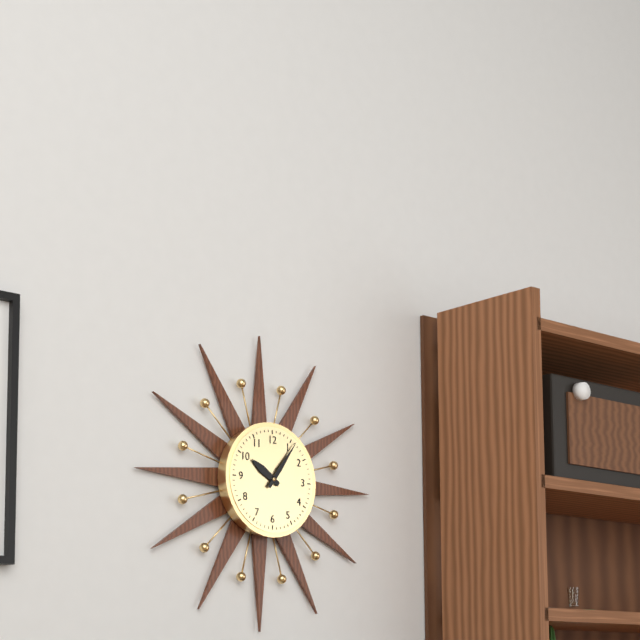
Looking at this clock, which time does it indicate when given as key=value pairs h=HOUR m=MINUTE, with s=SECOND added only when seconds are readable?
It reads h=10 m=6
